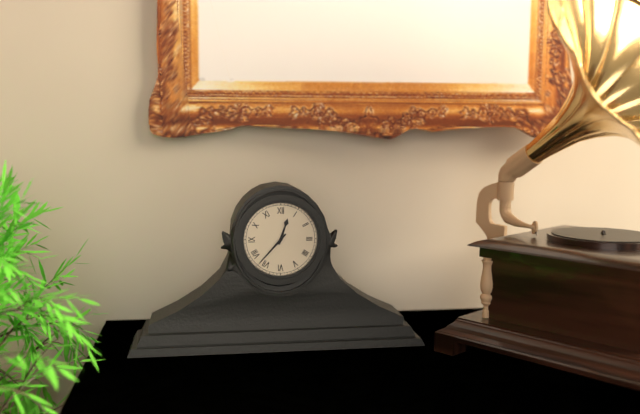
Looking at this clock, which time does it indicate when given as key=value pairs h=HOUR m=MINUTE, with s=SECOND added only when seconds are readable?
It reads h=12 m=37
